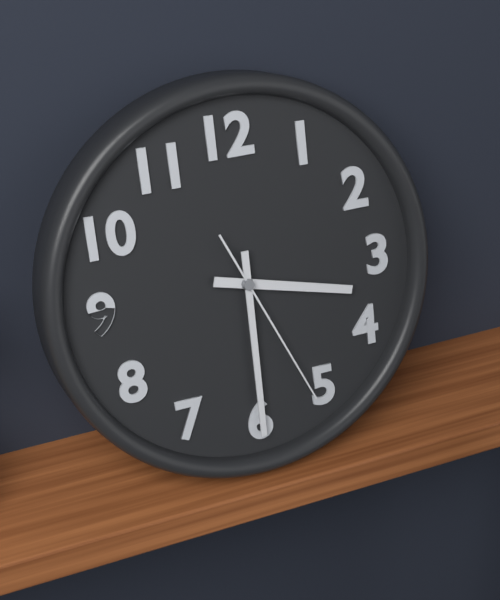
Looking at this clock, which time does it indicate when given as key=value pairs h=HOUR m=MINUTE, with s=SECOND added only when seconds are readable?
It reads h=3 m=30 s=26
